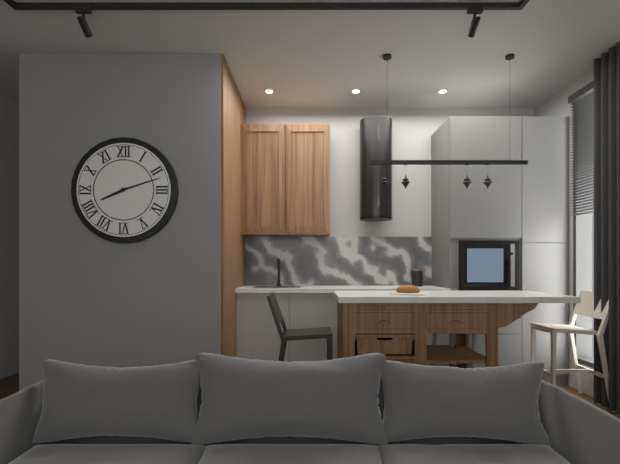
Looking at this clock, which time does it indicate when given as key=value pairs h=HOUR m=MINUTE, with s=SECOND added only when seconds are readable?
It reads h=8 m=12
